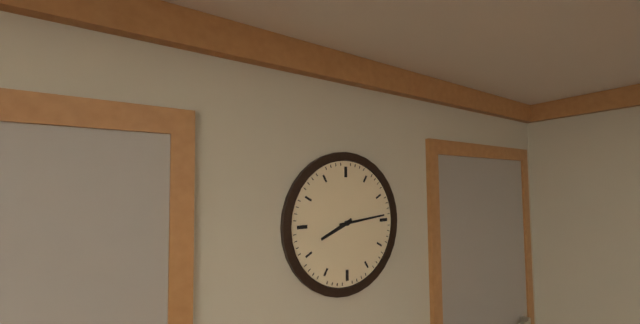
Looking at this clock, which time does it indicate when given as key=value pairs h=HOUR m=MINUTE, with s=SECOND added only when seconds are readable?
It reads h=8 m=14
